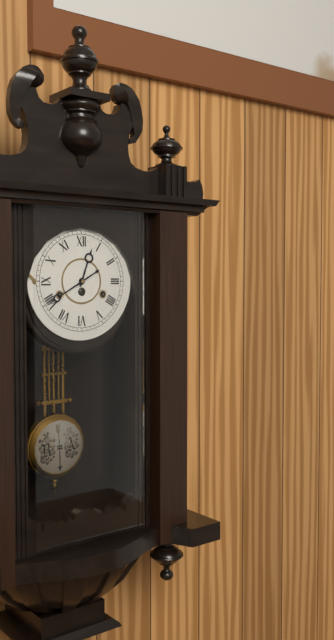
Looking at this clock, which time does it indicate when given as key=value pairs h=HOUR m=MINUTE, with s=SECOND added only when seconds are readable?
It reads h=12 m=40
